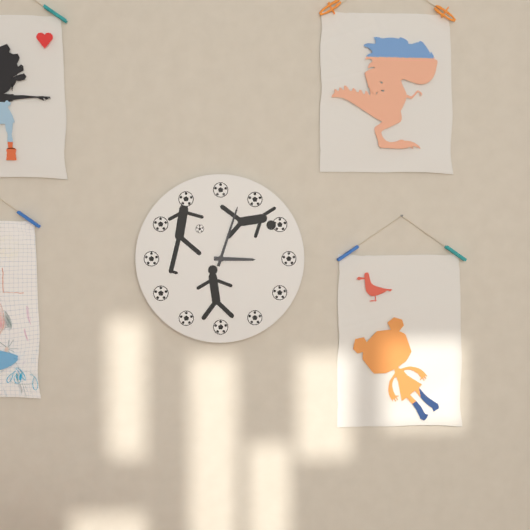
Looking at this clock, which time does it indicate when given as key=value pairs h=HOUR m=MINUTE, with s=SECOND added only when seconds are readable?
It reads h=3 m=3
